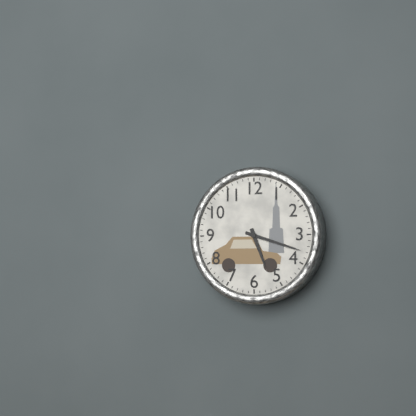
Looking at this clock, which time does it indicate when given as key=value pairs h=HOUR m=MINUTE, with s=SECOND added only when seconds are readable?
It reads h=5 m=18
